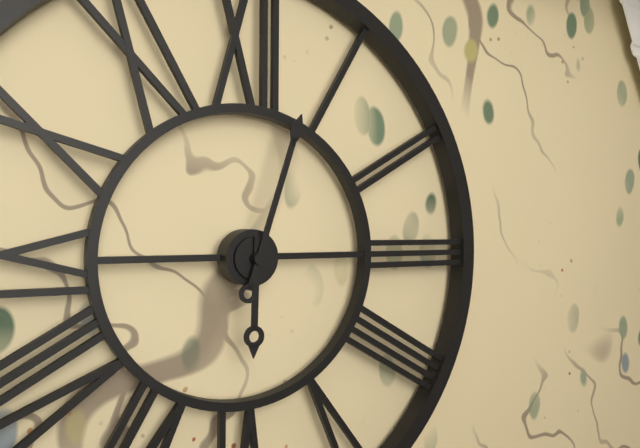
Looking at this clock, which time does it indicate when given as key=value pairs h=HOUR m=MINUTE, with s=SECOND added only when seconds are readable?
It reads h=6 m=3
